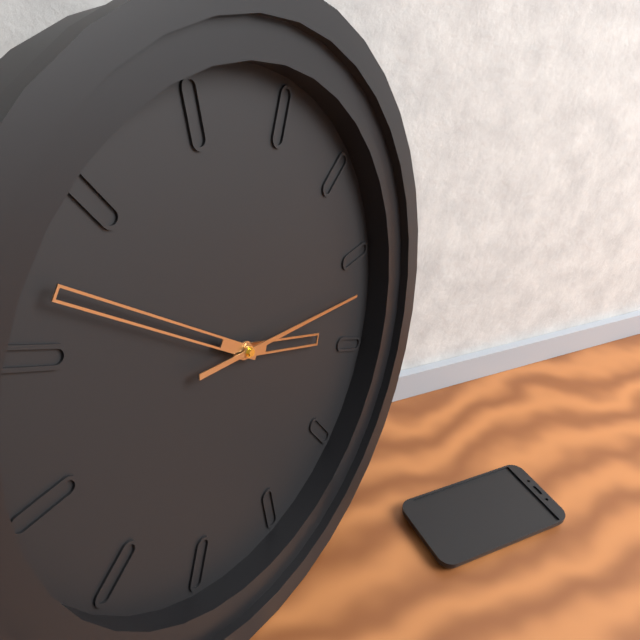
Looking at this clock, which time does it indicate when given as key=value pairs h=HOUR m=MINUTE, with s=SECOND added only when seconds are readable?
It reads h=3 m=52 s=17
